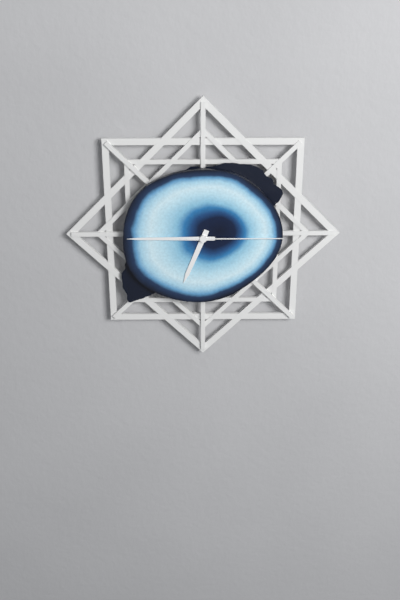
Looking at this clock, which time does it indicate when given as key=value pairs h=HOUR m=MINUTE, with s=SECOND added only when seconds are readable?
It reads h=6 m=45 s=15
